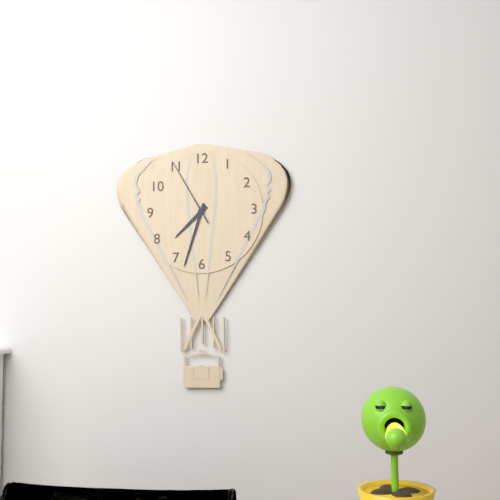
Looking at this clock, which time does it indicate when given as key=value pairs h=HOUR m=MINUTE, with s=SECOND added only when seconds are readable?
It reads h=7 m=33 s=55
